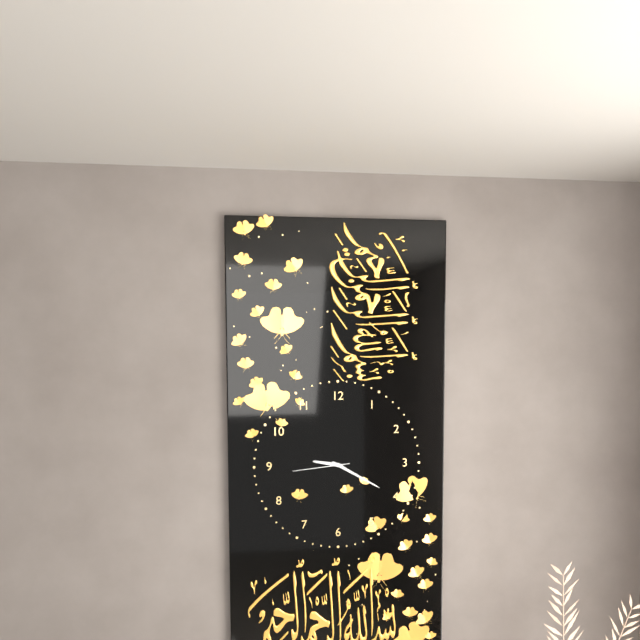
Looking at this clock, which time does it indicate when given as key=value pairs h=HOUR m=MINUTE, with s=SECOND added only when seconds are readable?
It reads h=9 m=20 s=44
